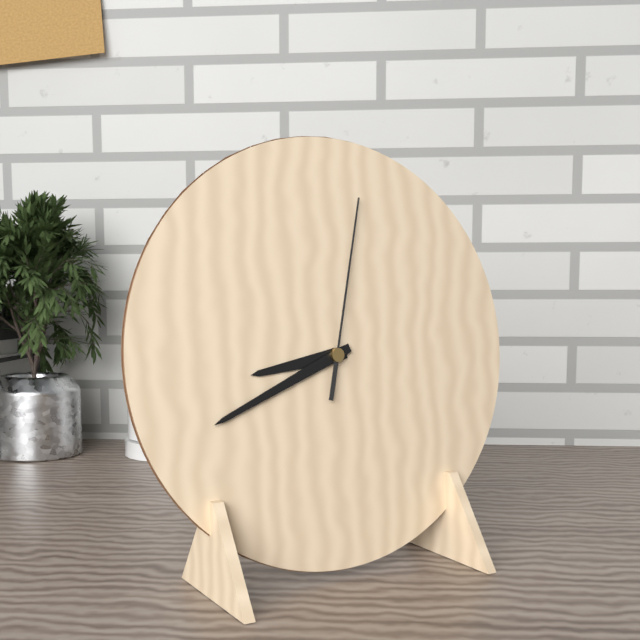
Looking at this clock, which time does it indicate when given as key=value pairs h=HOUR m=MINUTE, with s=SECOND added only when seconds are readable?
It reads h=8 m=41 s=2
